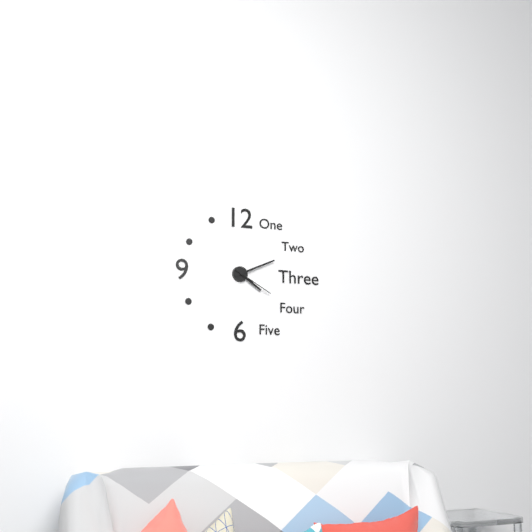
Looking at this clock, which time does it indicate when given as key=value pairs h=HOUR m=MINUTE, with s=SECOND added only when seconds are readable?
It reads h=4 m=11
